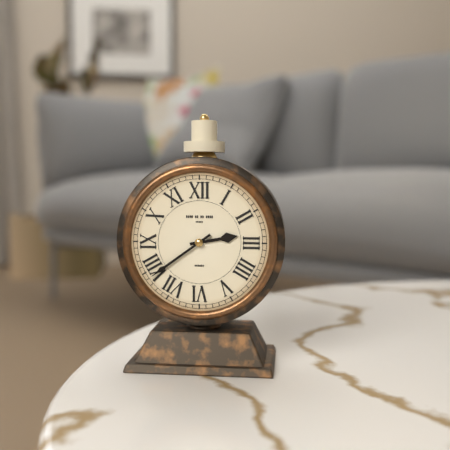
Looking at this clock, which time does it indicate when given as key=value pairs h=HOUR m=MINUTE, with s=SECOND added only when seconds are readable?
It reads h=2 m=39
